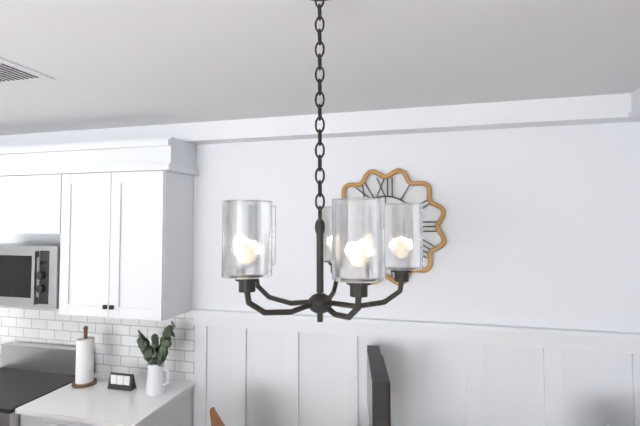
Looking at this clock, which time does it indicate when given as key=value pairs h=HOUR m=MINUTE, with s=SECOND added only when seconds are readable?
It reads h=6 m=45
